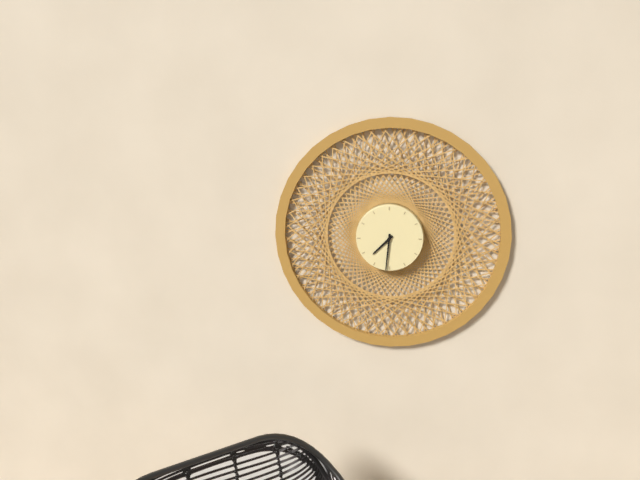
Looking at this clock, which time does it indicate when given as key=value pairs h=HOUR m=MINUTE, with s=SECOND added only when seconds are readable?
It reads h=7 m=31
